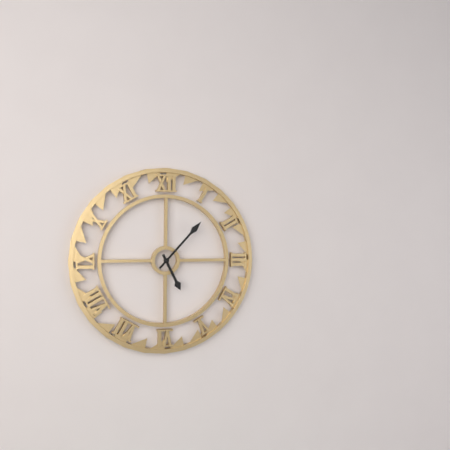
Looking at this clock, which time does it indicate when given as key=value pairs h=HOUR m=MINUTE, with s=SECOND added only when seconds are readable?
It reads h=5 m=7
